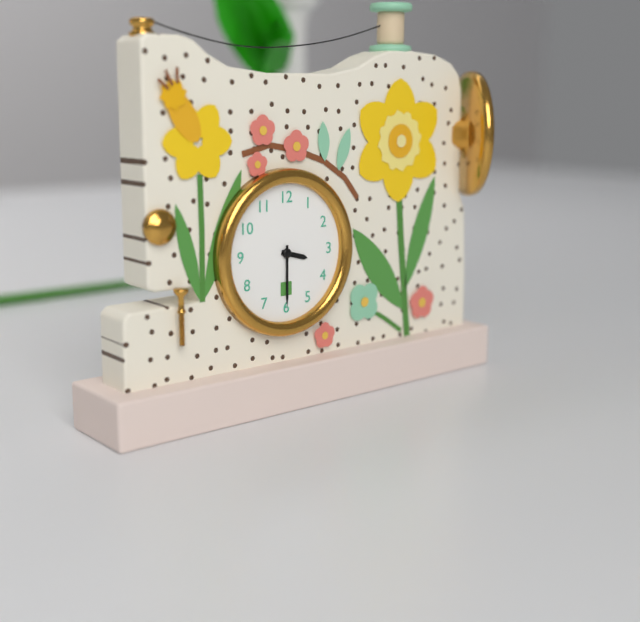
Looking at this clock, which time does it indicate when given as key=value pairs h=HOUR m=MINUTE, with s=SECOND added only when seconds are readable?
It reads h=3 m=30
